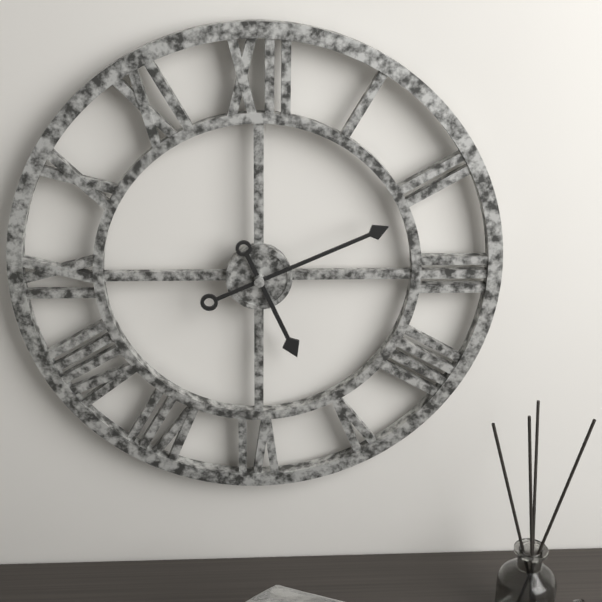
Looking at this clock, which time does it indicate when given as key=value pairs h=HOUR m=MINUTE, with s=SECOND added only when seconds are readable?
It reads h=5 m=11
